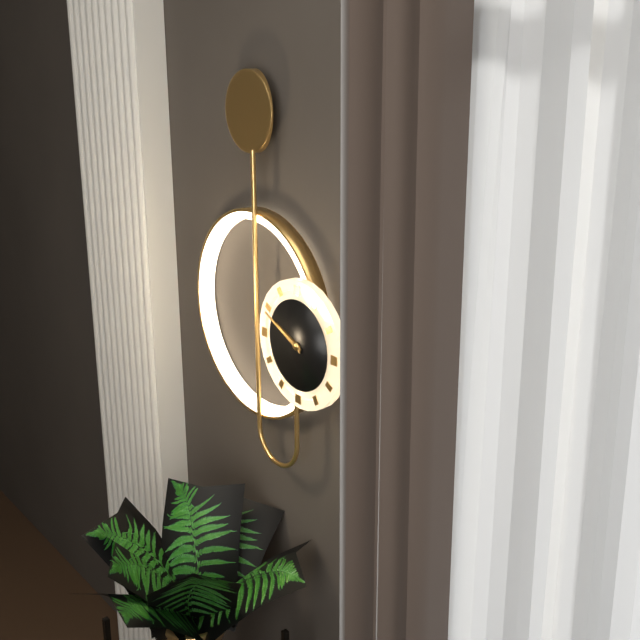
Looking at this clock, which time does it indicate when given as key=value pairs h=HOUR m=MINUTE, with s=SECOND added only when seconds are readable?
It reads h=9 m=49
